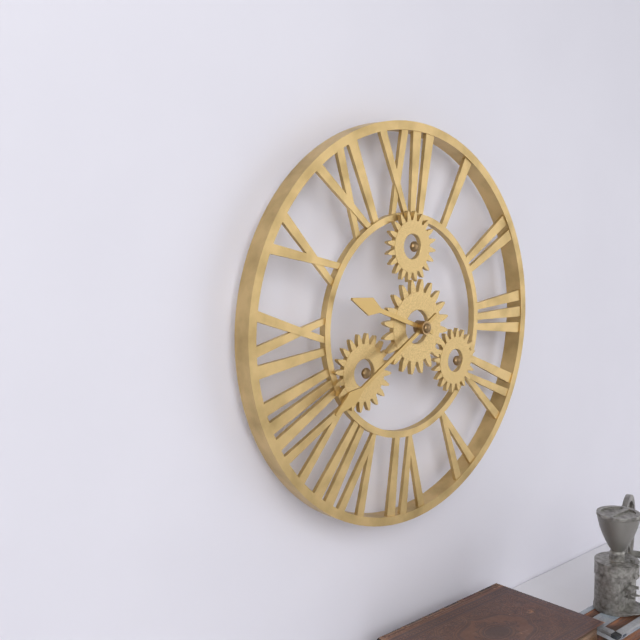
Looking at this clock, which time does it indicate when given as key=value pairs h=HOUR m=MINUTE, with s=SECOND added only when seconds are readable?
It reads h=9 m=40
